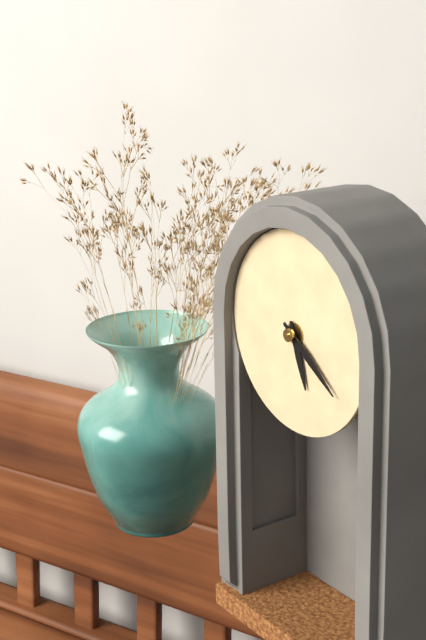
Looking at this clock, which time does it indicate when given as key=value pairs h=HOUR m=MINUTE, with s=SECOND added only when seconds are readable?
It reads h=5 m=21
